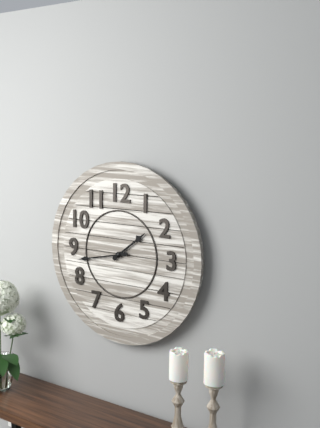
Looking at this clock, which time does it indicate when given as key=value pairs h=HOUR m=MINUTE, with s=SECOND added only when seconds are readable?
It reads h=1 m=43
